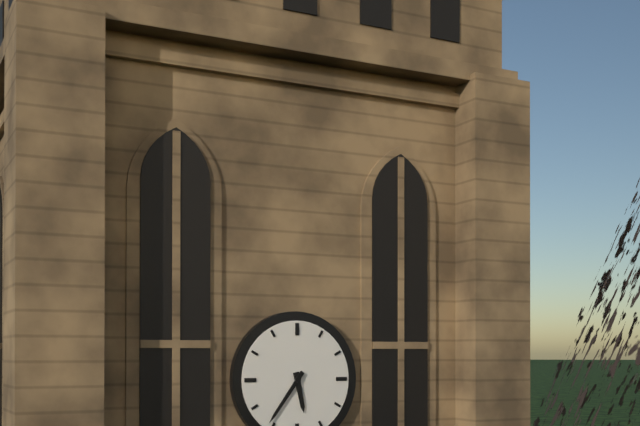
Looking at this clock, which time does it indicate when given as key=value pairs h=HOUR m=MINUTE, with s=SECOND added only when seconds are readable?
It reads h=5 m=36
